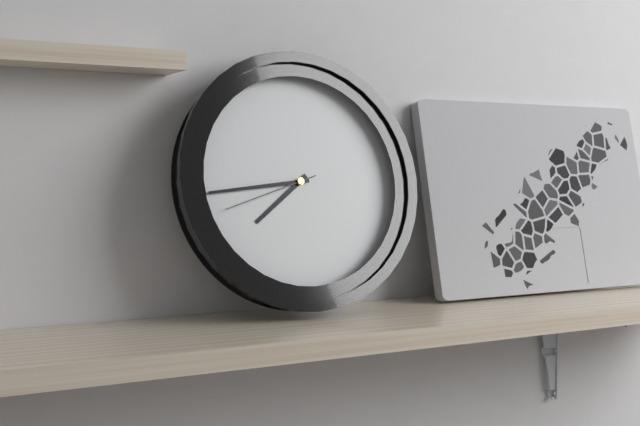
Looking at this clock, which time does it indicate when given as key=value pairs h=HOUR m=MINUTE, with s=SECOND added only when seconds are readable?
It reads h=7 m=44 s=42
